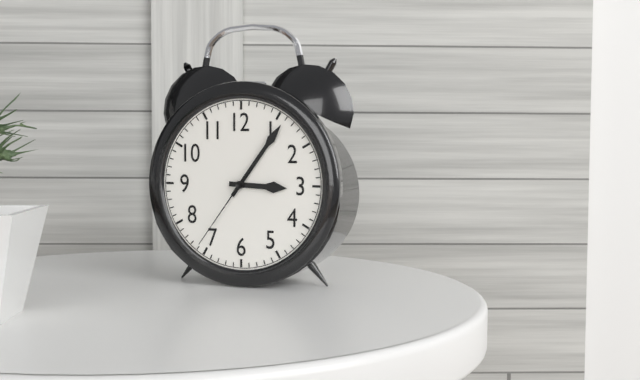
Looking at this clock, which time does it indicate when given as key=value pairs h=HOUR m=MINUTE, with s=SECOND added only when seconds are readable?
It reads h=3 m=6 s=36
